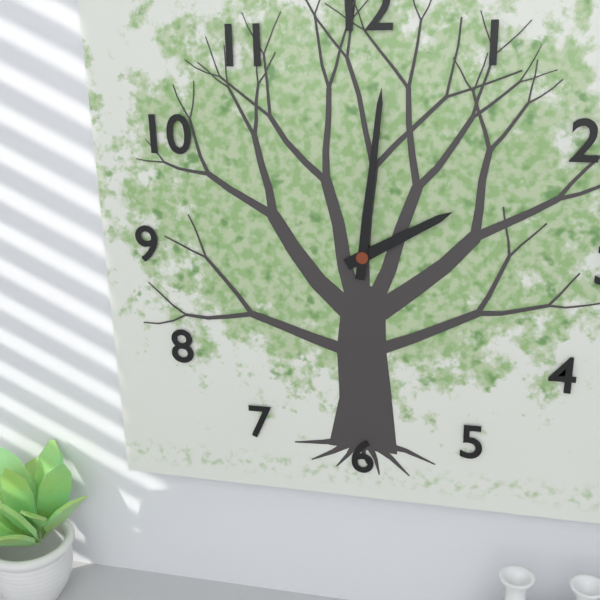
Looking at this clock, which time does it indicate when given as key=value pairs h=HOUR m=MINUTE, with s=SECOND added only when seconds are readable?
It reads h=2 m=1
